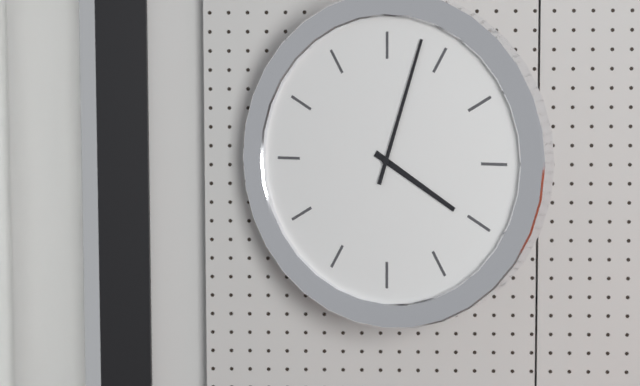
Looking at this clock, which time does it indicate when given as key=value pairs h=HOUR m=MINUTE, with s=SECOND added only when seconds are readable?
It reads h=4 m=3
